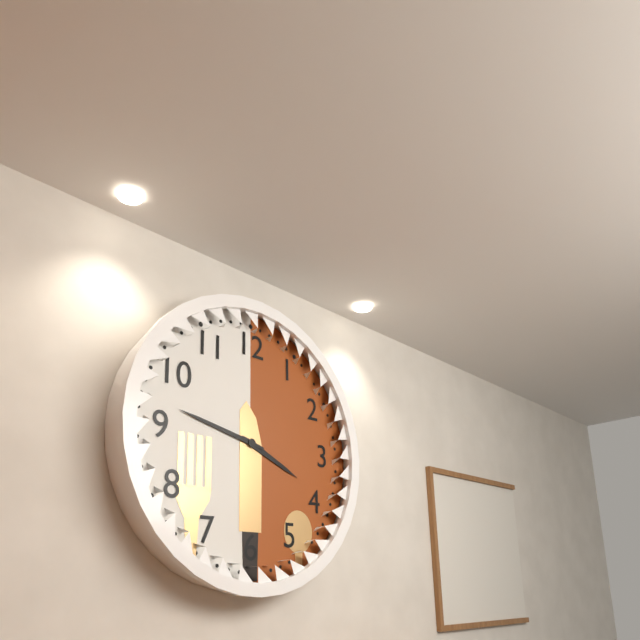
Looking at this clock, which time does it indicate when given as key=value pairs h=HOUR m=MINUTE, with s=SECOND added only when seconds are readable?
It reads h=3 m=47
